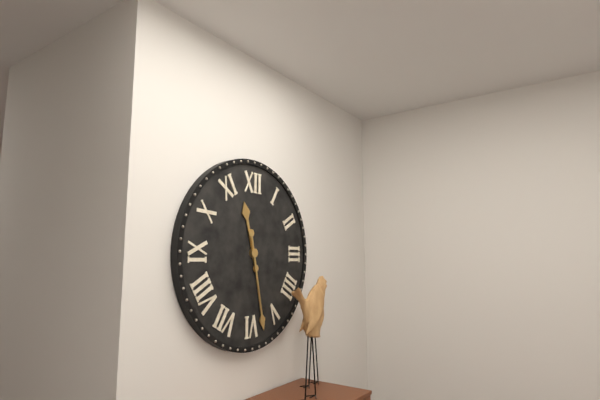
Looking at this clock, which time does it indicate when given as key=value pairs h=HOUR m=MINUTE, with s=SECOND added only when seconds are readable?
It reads h=11 m=28
